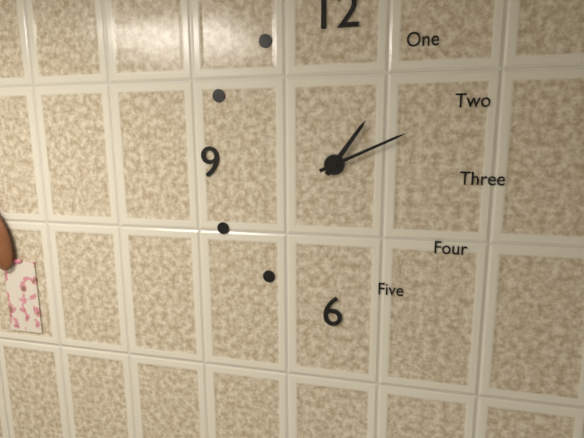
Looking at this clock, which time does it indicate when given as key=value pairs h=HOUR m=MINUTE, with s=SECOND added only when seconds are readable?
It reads h=1 m=11
